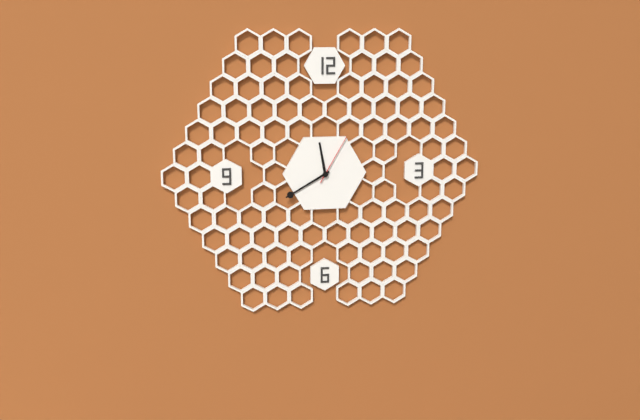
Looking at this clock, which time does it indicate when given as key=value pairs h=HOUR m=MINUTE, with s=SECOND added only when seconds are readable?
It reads h=11 m=40 s=5
